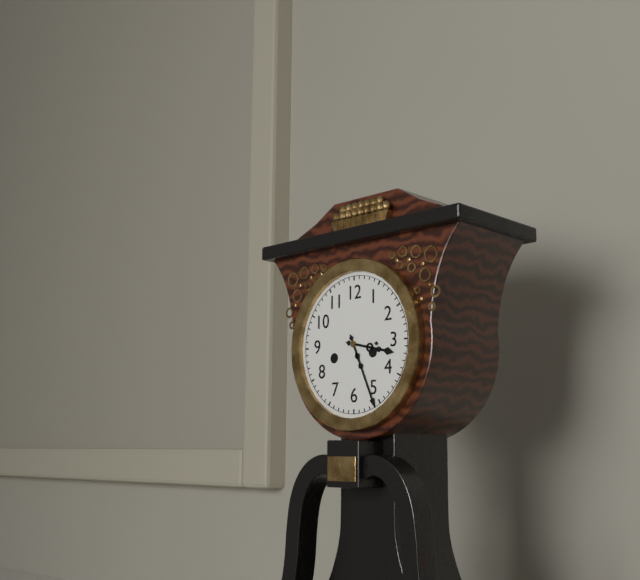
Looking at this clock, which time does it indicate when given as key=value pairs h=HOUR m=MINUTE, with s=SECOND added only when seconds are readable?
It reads h=3 m=26
